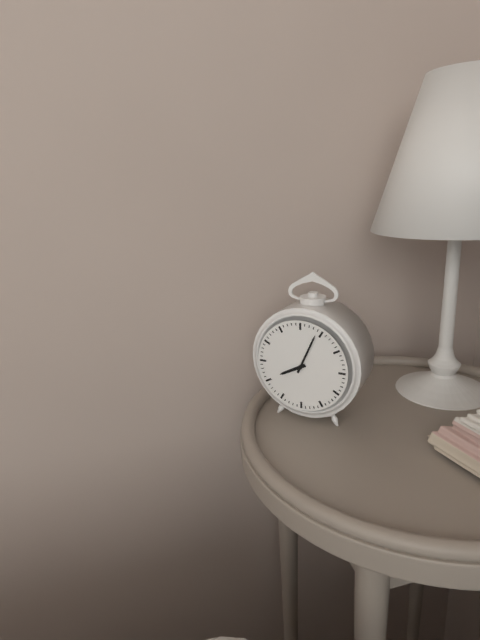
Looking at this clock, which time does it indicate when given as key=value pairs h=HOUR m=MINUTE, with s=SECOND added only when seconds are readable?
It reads h=8 m=4
